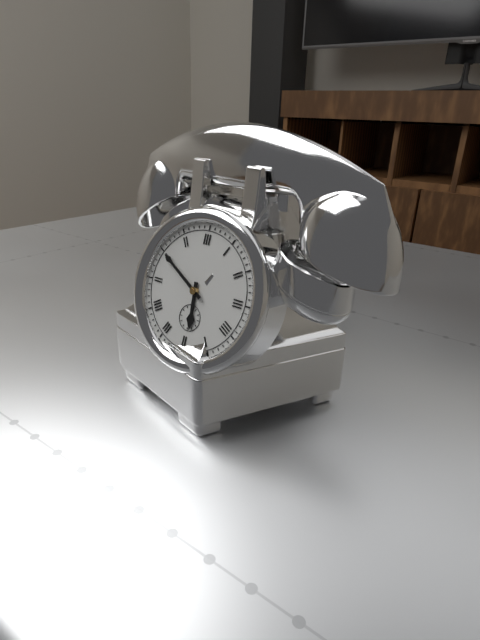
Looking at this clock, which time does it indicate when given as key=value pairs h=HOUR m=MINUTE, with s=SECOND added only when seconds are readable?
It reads h=5 m=50
